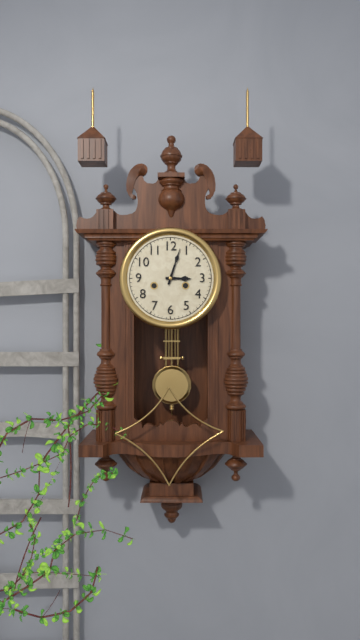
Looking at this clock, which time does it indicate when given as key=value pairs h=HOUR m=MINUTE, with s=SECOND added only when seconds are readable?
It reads h=3 m=3
